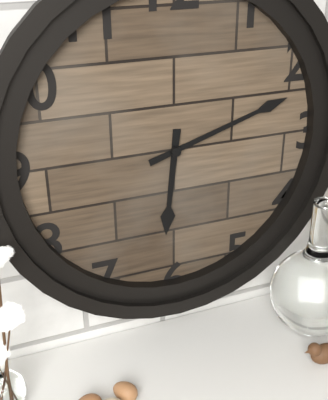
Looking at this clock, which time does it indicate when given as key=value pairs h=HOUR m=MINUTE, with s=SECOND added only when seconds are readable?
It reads h=6 m=12
